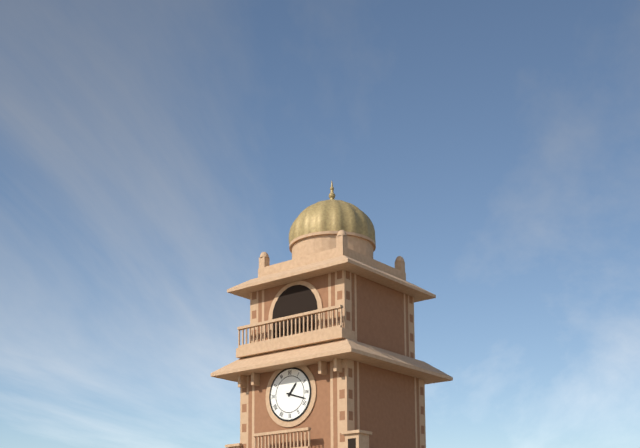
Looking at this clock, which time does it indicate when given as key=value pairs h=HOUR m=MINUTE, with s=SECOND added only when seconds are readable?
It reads h=1 m=18
